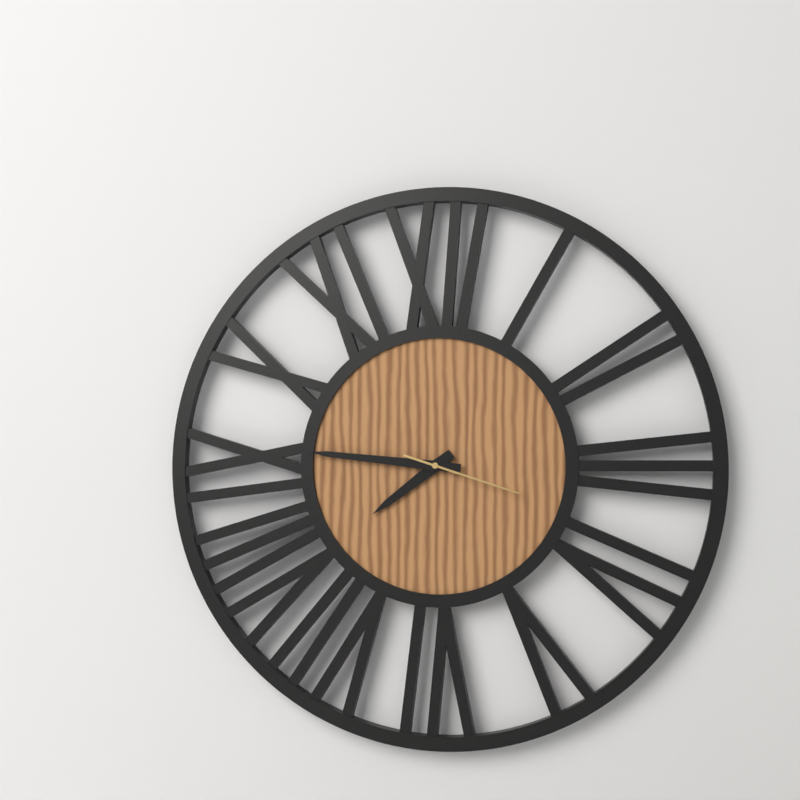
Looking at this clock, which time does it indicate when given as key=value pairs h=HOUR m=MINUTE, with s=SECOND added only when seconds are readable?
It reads h=7 m=46 s=18
